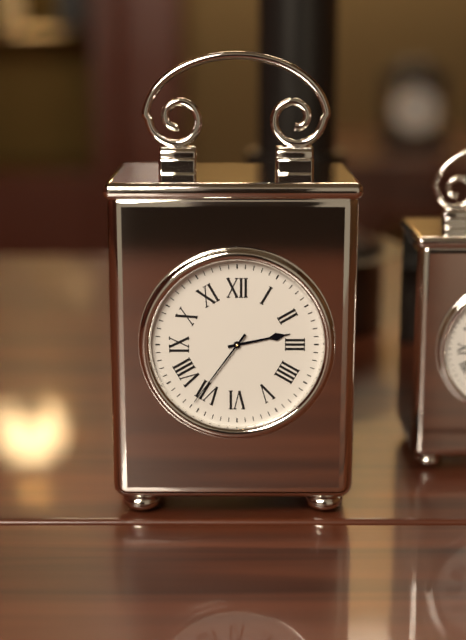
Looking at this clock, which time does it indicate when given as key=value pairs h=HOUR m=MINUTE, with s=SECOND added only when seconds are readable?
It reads h=2 m=36
